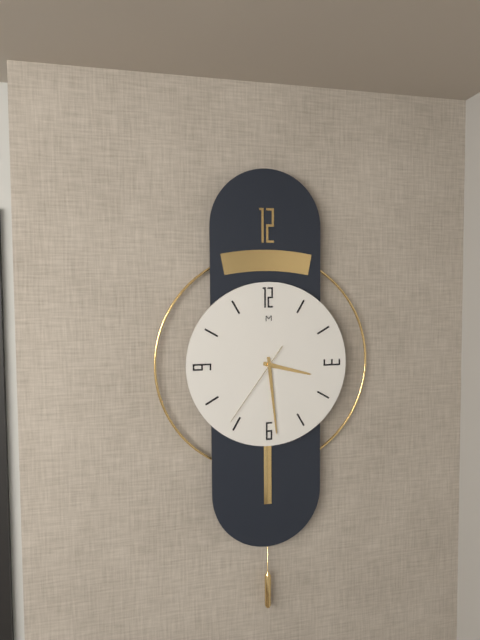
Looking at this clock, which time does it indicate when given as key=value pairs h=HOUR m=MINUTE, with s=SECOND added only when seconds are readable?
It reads h=3 m=29 s=36
